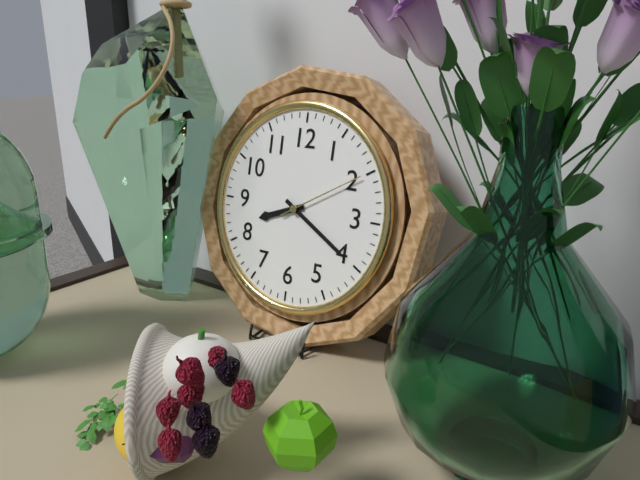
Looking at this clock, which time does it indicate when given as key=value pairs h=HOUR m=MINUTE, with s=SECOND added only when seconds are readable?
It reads h=8 m=20 s=10
